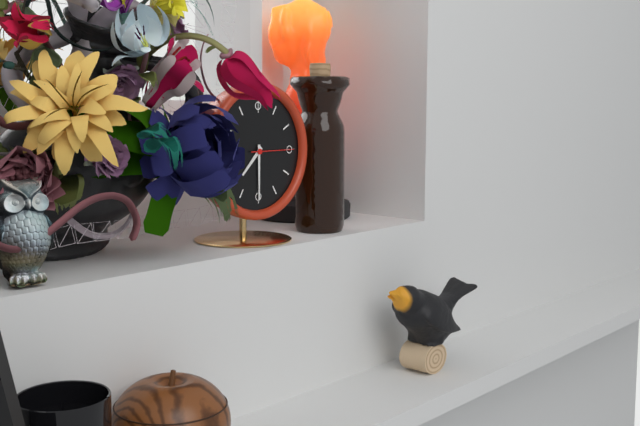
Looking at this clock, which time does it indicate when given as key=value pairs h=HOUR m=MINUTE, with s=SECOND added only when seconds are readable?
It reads h=7 m=30
